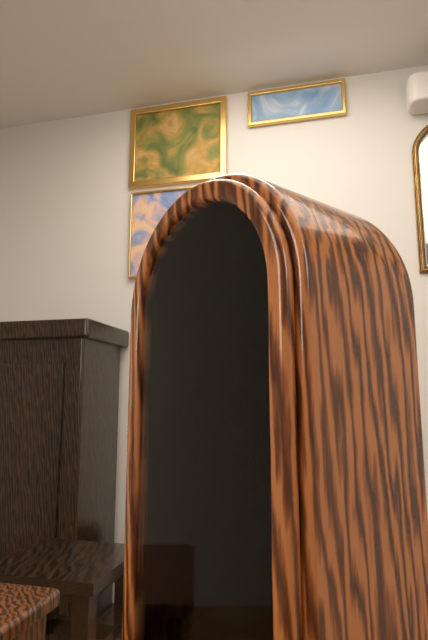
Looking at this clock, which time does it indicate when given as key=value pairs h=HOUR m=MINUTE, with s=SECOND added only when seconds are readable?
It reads h=12 m=14
